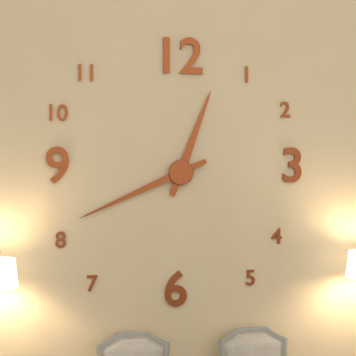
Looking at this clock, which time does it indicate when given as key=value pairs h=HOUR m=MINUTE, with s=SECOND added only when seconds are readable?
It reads h=12 m=41
